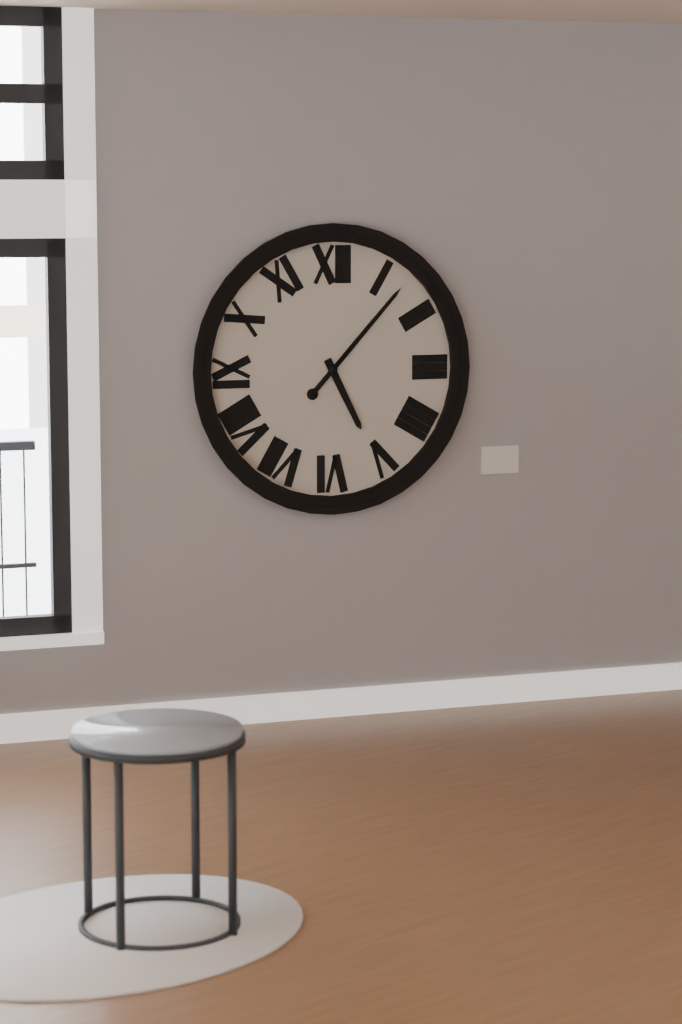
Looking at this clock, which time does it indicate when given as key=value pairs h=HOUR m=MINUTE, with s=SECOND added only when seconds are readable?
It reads h=5 m=7
